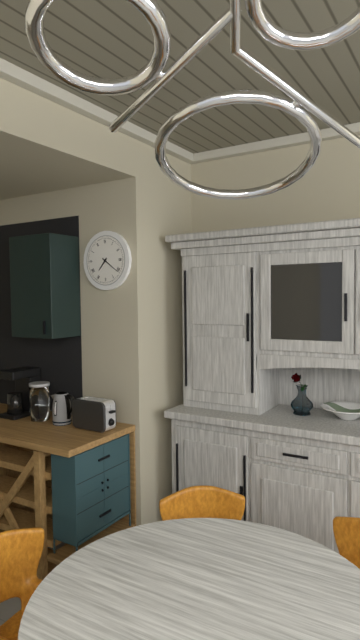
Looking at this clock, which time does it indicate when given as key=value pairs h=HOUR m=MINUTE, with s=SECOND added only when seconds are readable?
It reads h=7 m=21
